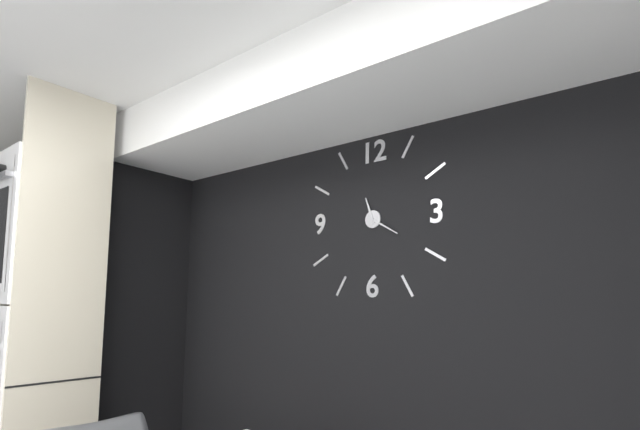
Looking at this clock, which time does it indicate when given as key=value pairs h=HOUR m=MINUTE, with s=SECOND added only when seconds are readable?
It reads h=11 m=20
